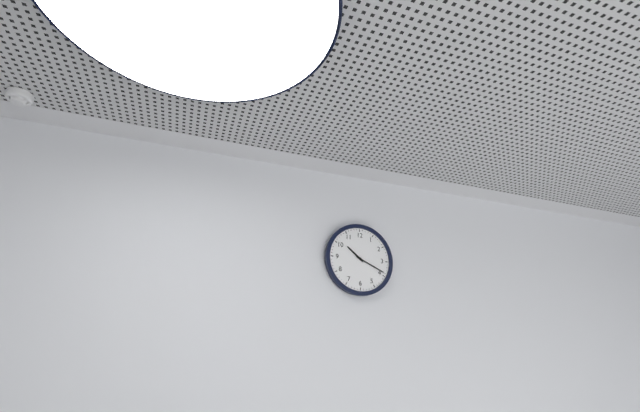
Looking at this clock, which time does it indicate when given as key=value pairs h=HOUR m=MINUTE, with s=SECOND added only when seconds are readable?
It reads h=10 m=19
